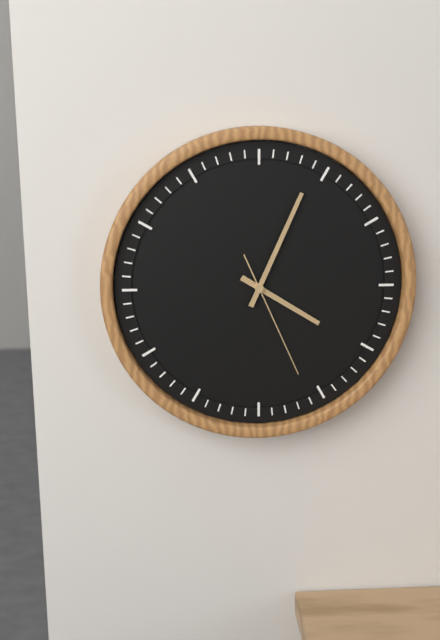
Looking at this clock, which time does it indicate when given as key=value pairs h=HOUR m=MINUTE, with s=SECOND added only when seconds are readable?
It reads h=4 m=4 s=26
